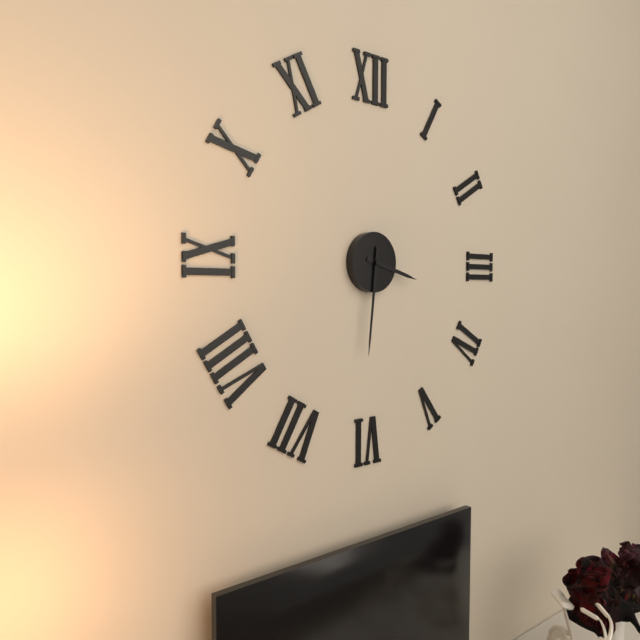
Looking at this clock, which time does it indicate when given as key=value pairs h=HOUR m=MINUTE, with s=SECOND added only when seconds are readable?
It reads h=3 m=31
